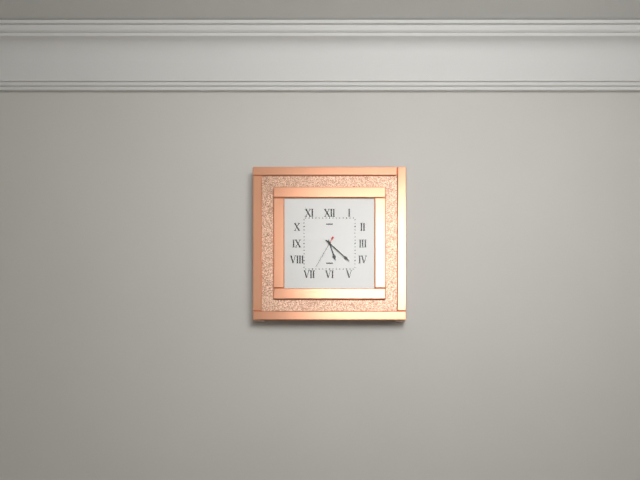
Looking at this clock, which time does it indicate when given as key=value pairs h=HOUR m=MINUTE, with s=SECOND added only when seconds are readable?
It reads h=5 m=22
